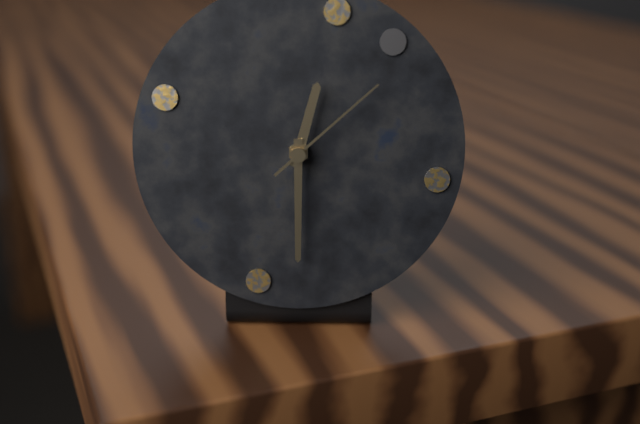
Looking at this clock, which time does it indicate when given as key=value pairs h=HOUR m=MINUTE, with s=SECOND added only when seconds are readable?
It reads h=12 m=30 s=8
